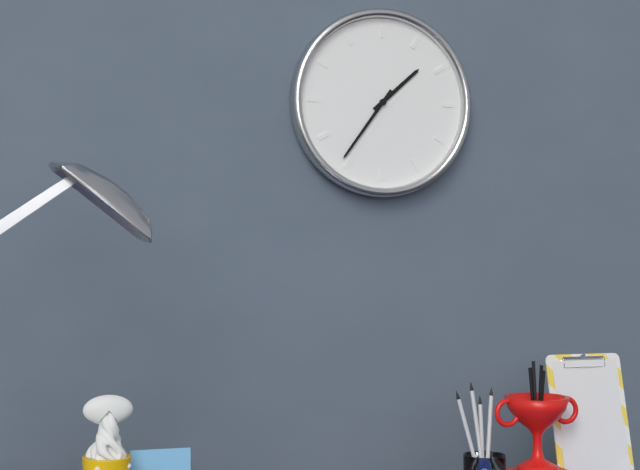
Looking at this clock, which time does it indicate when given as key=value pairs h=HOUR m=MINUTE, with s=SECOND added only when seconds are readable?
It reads h=1 m=36
